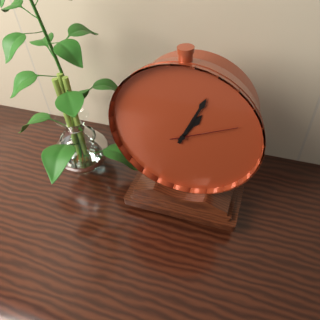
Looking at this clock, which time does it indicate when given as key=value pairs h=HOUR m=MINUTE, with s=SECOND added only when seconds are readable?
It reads h=1 m=4 s=11
